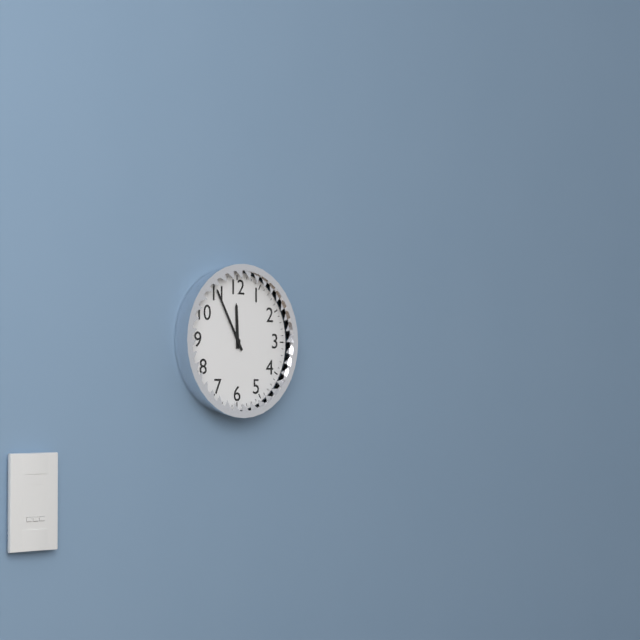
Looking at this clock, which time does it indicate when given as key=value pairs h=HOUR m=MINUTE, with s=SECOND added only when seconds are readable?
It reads h=11 m=55
